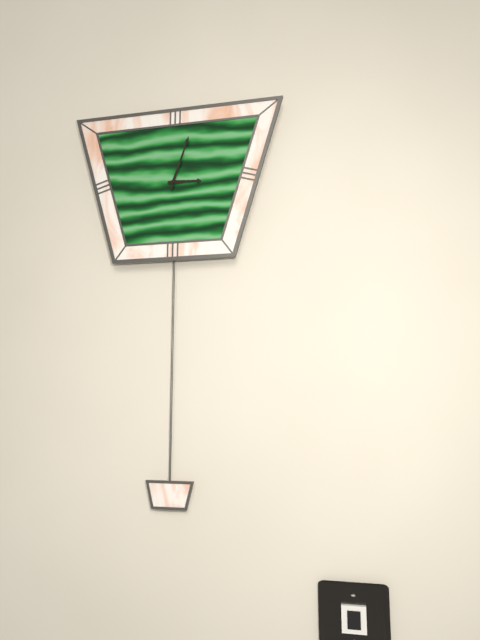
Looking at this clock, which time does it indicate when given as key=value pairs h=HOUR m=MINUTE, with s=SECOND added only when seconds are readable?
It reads h=3 m=3
